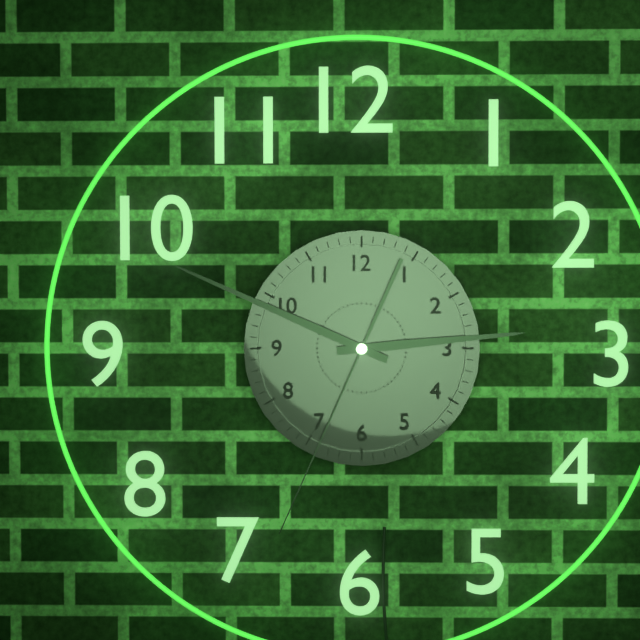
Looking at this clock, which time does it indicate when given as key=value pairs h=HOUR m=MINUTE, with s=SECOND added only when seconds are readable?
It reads h=2 m=49 s=34
